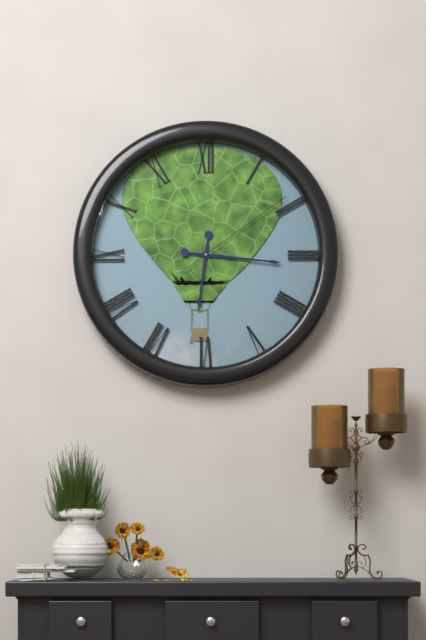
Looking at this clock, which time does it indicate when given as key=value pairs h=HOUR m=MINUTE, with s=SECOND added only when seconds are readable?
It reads h=6 m=16 s=9
